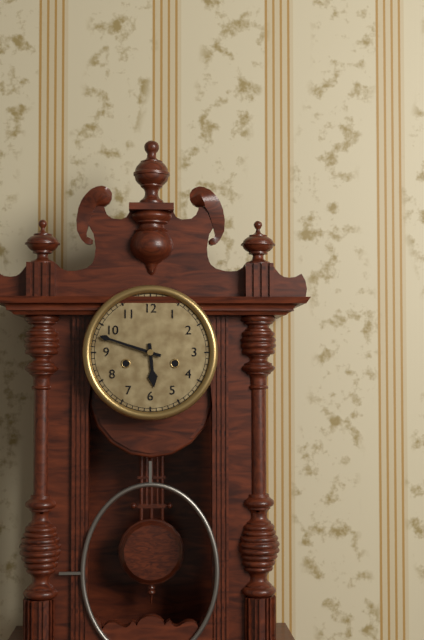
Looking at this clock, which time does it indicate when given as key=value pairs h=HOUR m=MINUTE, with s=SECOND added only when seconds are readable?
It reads h=5 m=48
